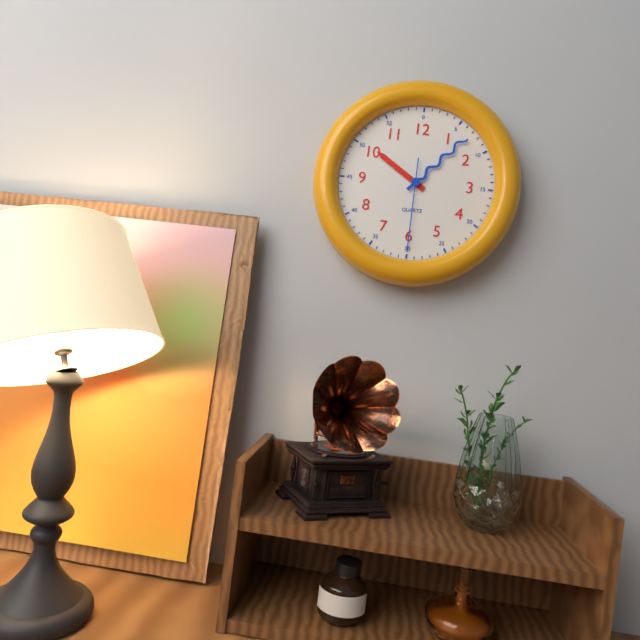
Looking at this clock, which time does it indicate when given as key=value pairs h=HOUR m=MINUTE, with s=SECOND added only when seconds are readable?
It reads h=10 m=7 s=30
